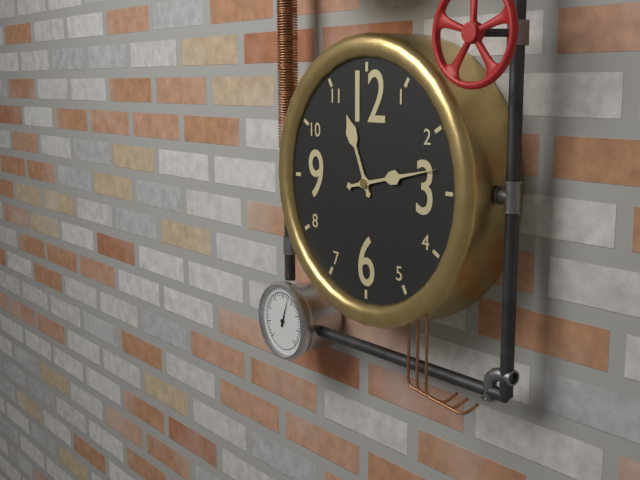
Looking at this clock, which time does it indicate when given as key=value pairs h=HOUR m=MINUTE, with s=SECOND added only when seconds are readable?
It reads h=11 m=13
